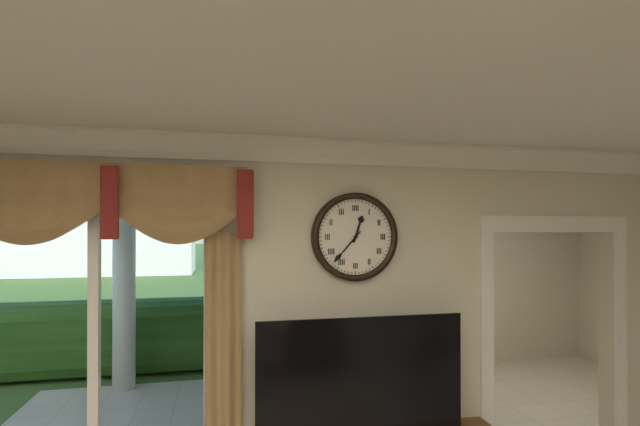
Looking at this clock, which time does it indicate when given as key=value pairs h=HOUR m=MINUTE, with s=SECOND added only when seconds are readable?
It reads h=12 m=37
